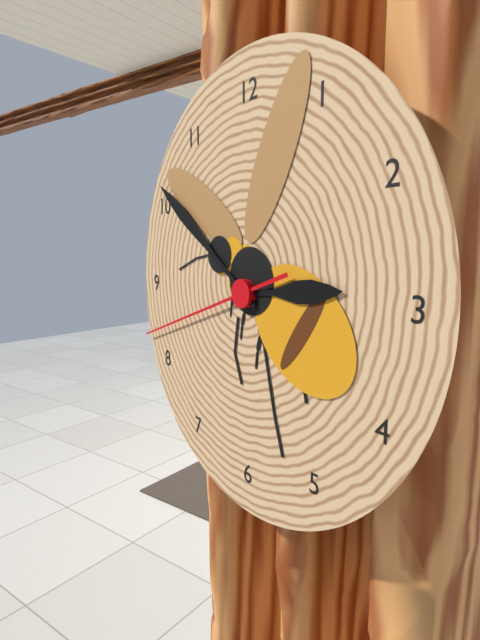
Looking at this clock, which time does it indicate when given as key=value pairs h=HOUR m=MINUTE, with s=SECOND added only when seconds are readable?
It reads h=2 m=51 s=42
